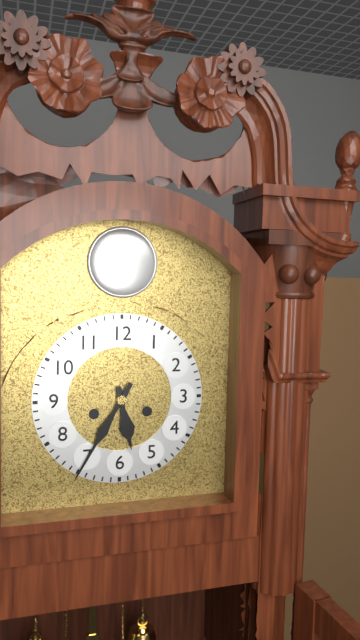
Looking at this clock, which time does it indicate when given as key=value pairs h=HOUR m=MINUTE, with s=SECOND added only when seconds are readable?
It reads h=5 m=35
